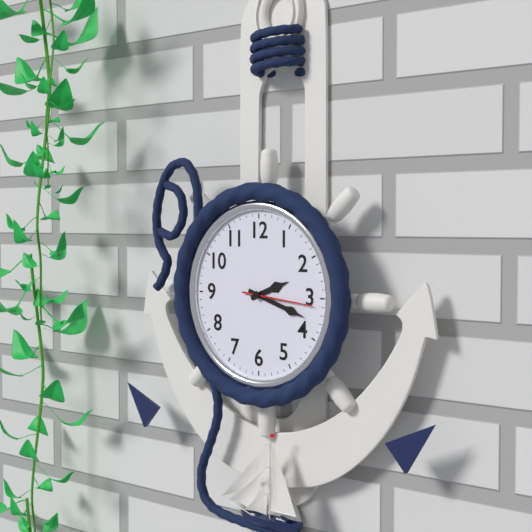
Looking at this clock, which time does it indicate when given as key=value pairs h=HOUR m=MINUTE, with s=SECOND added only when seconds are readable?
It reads h=2 m=18 s=16
